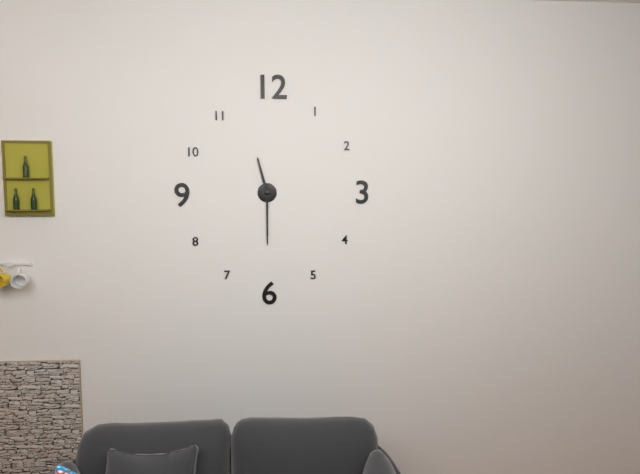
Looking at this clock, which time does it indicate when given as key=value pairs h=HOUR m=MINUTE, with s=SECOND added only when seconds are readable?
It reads h=11 m=30
